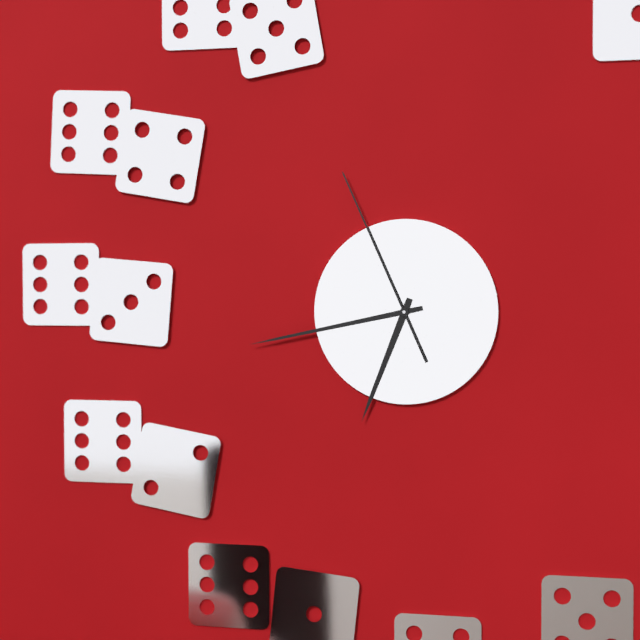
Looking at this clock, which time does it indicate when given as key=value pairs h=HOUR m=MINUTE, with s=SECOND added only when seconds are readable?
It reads h=6 m=43 s=56
